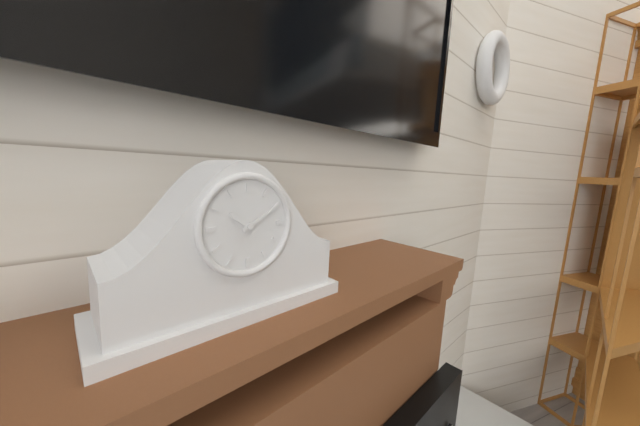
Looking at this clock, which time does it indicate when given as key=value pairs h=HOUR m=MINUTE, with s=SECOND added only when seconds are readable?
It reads h=10 m=10
